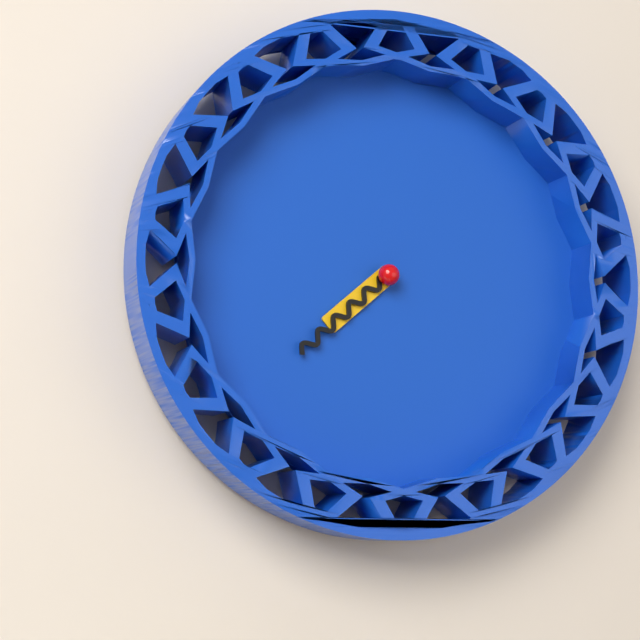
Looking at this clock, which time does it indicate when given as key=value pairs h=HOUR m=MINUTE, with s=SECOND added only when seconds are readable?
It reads h=7 m=38
